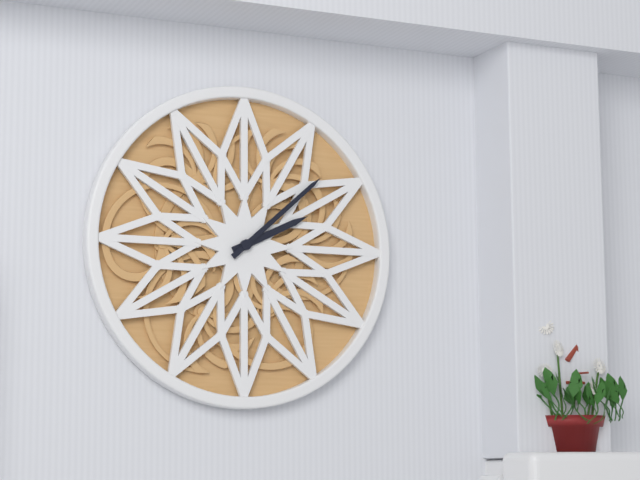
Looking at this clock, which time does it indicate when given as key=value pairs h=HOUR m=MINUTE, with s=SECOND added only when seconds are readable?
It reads h=2 m=8
